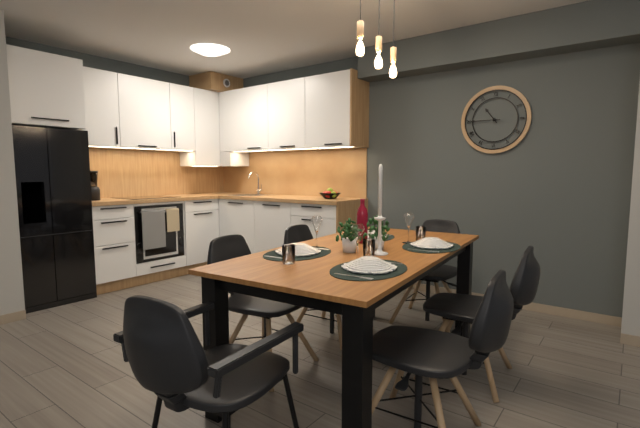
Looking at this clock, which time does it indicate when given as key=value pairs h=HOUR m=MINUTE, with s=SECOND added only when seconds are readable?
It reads h=10 m=45
